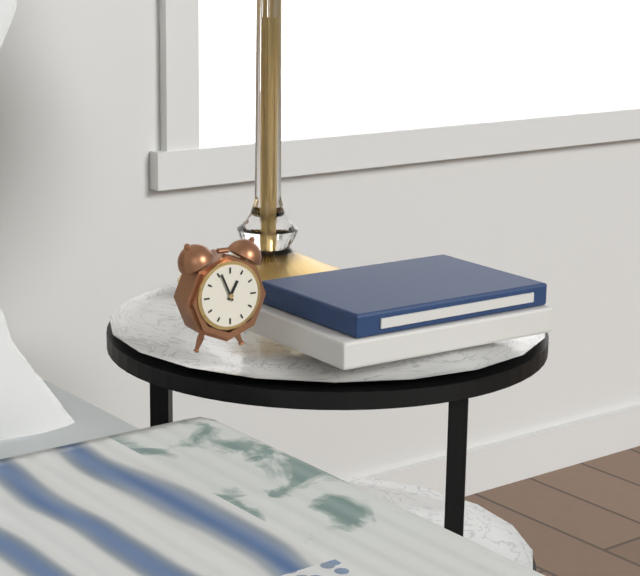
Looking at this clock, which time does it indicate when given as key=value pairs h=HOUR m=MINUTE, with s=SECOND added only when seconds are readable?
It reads h=12 m=56
